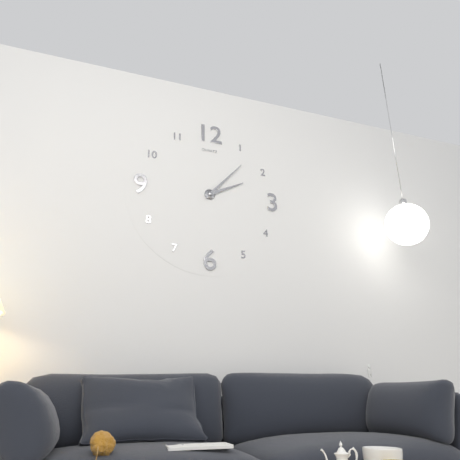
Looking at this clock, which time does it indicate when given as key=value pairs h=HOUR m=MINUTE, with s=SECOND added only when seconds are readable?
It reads h=2 m=7
